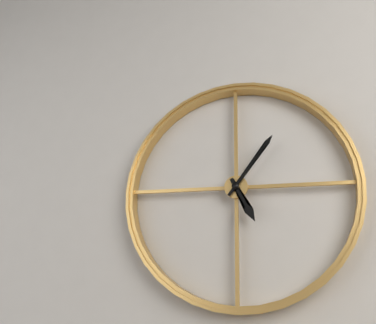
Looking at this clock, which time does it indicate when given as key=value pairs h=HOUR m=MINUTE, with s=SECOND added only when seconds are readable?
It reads h=5 m=6
